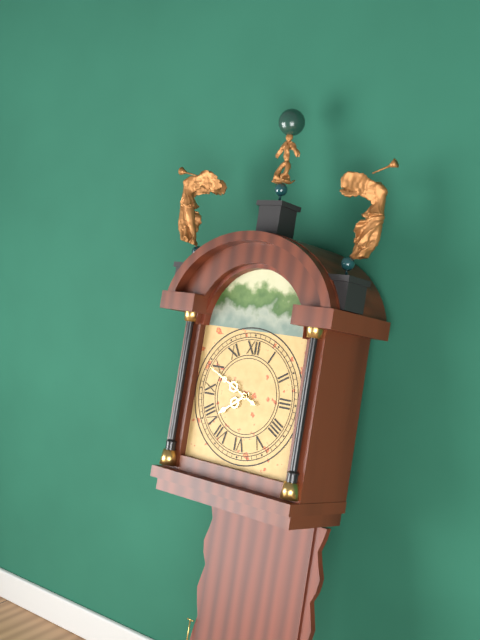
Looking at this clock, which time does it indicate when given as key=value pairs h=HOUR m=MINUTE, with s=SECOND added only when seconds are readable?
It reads h=7 m=49
